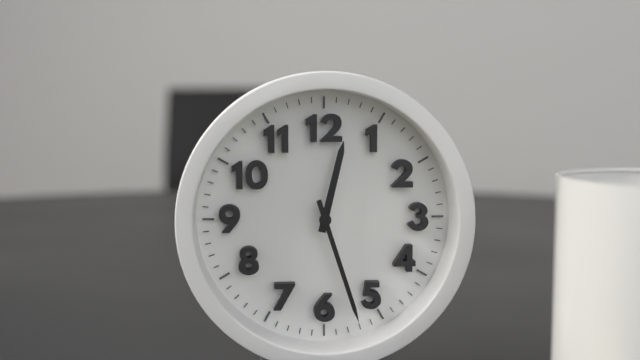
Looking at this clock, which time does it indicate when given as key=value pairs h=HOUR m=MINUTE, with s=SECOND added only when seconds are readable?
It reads h=12 m=27
